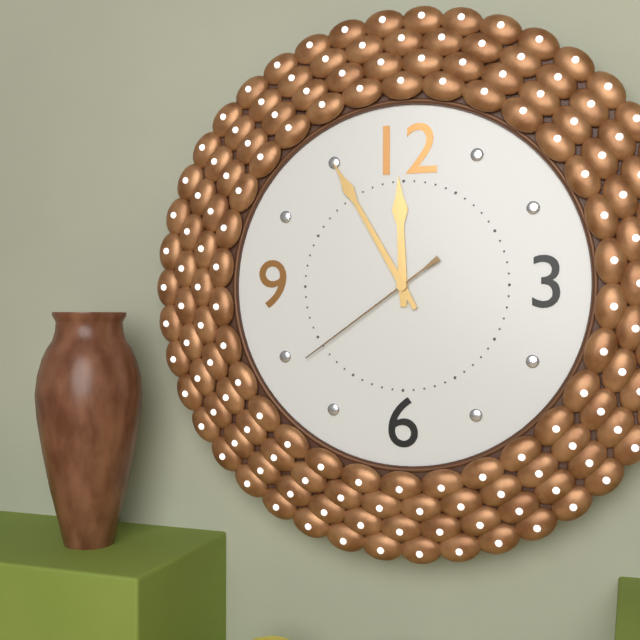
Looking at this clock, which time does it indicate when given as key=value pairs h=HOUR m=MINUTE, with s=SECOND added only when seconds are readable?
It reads h=11 m=55 s=39
